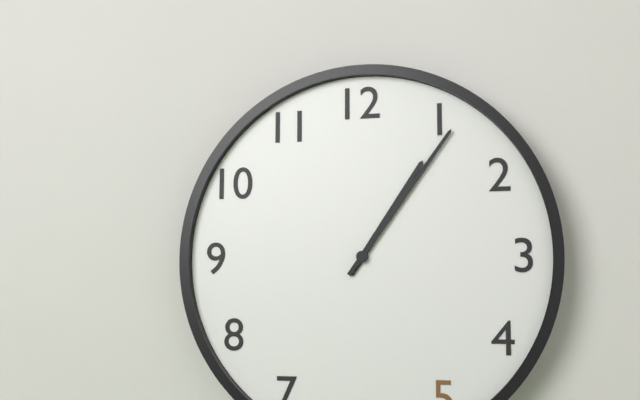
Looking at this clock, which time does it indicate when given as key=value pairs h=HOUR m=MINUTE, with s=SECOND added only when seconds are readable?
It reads h=1 m=6
